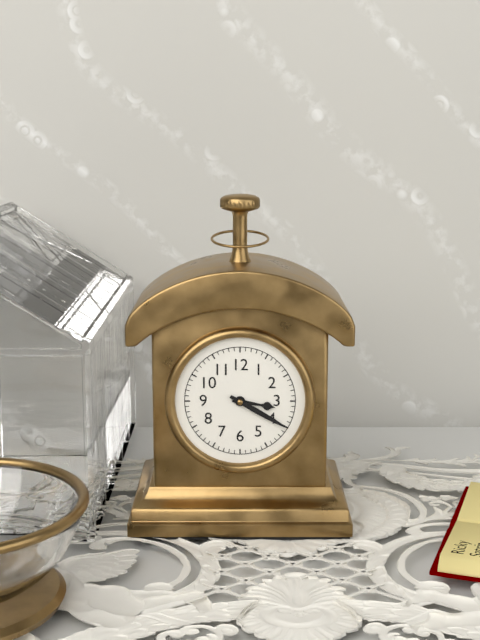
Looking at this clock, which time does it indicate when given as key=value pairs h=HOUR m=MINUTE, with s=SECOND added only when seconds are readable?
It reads h=3 m=20
